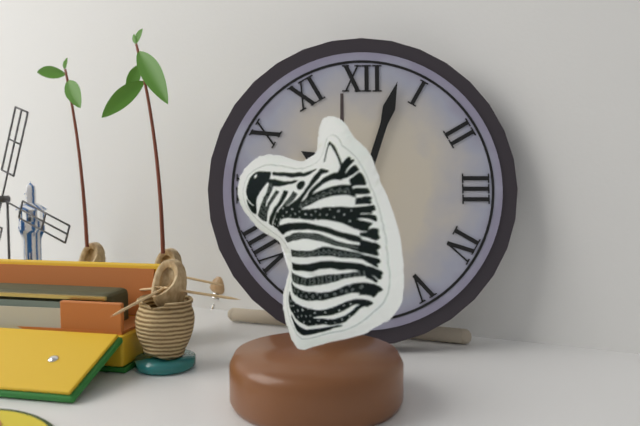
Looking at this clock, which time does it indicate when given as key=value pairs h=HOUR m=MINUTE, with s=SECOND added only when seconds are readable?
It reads h=10 m=3
